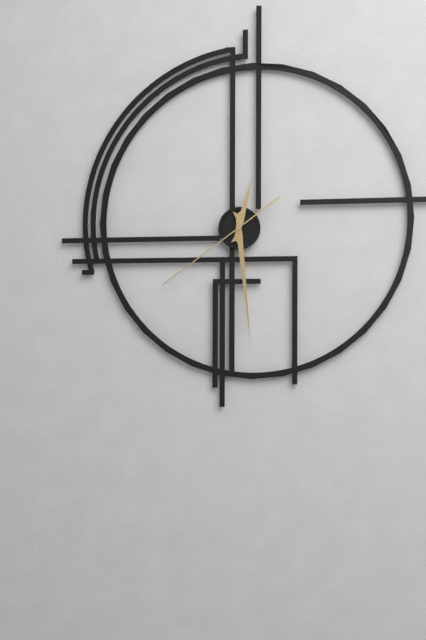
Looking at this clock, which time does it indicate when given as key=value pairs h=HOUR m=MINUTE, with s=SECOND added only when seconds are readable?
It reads h=12 m=29 s=39
